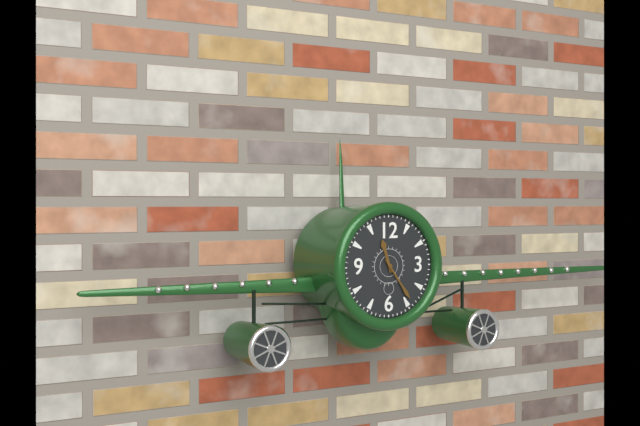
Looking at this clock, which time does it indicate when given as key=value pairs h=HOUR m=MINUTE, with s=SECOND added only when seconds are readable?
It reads h=11 m=24
